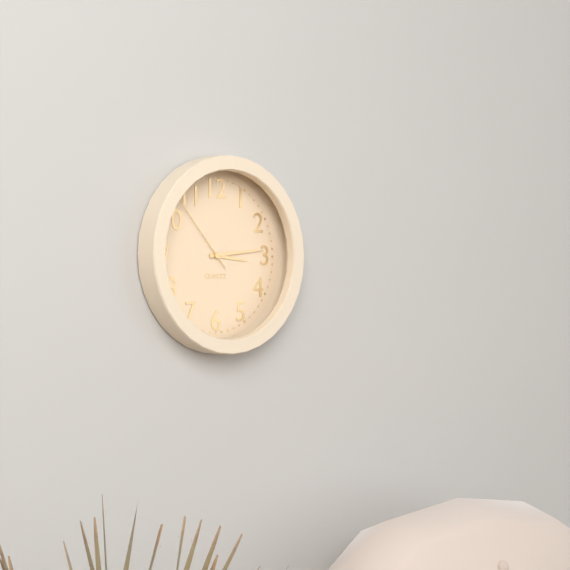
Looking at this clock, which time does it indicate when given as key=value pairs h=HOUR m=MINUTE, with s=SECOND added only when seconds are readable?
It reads h=3 m=14 s=53
